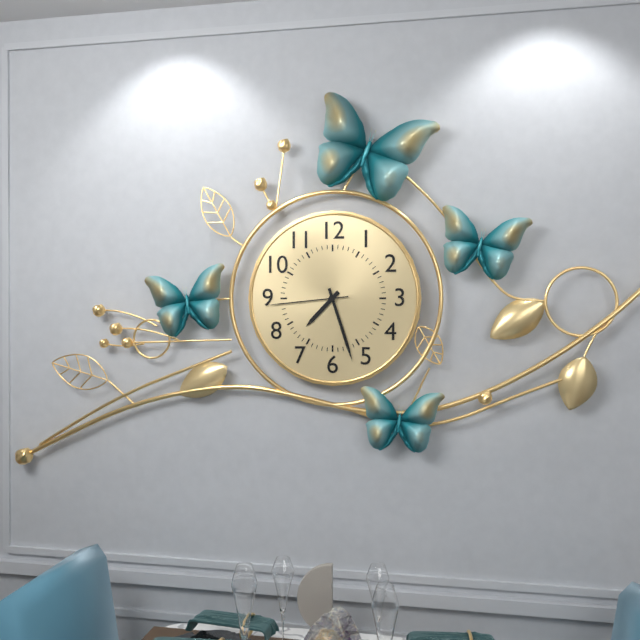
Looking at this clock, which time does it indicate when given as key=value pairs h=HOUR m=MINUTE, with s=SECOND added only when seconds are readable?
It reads h=7 m=27 s=44
